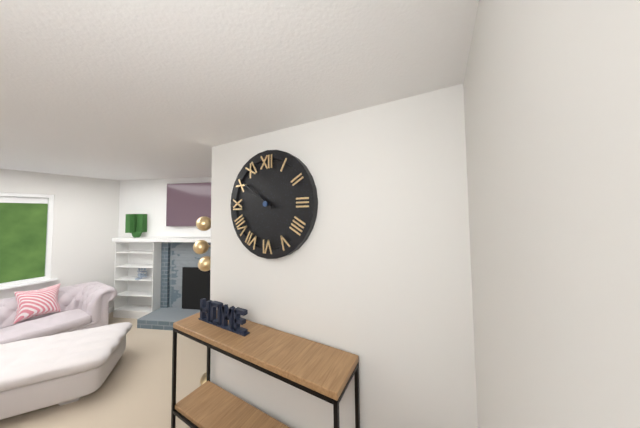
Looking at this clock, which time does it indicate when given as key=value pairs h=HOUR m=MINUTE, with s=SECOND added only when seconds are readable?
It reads h=9 m=51
